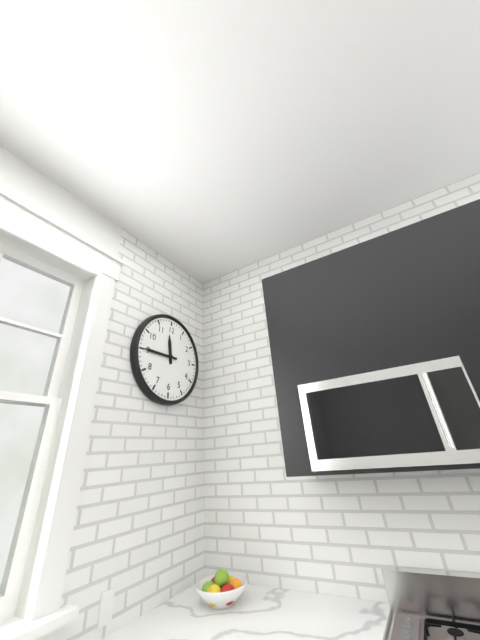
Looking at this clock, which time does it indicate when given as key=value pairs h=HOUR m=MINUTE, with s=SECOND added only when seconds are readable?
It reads h=11 m=45
